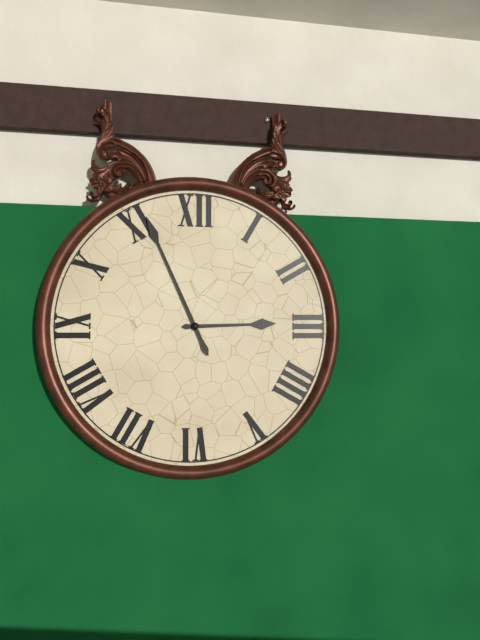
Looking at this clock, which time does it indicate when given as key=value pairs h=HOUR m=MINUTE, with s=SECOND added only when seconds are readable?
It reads h=2 m=56
